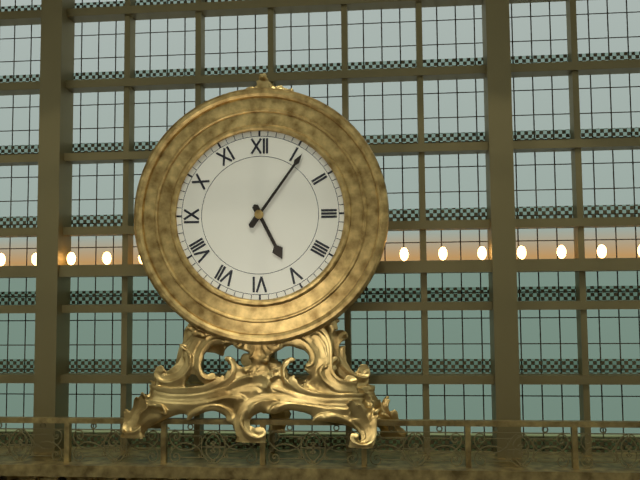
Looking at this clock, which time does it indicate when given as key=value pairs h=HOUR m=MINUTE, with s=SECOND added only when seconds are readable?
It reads h=5 m=6
